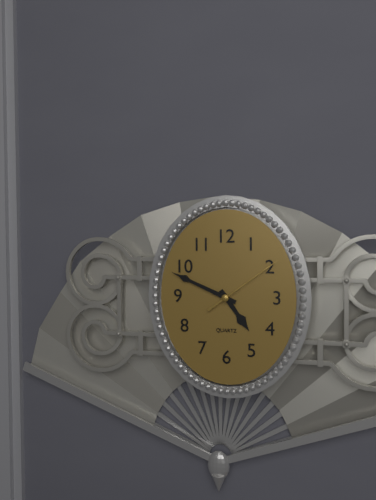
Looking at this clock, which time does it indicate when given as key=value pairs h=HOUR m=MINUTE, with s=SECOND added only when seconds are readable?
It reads h=4 m=49 s=9
